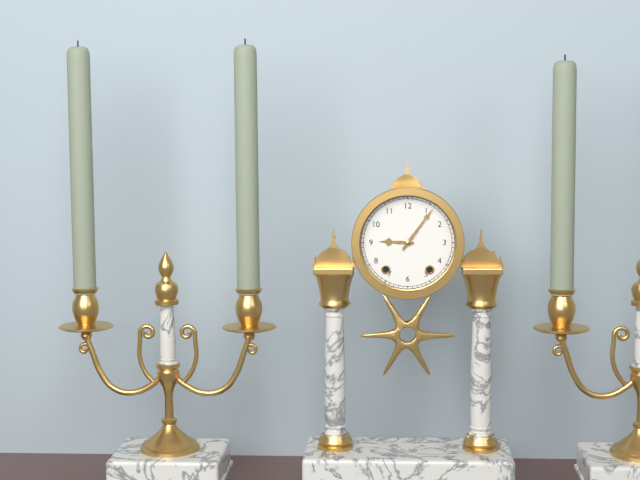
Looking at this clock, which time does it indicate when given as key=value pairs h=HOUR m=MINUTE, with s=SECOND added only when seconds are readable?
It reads h=9 m=6
